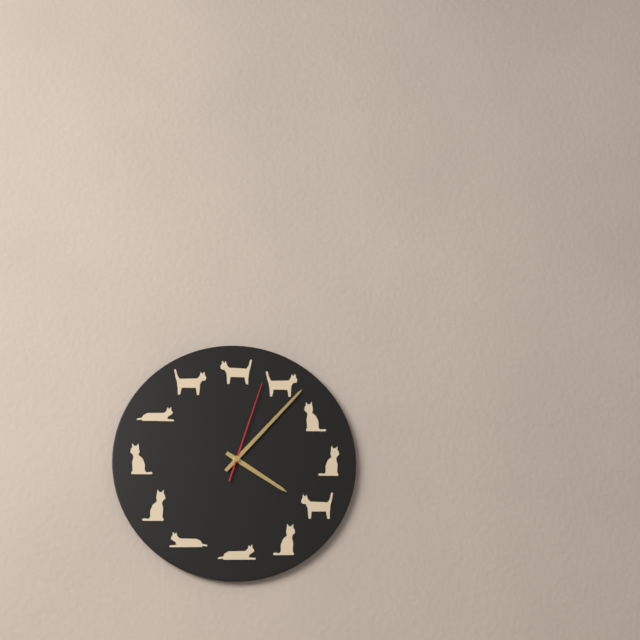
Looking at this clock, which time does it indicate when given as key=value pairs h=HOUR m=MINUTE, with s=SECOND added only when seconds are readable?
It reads h=4 m=7 s=3
